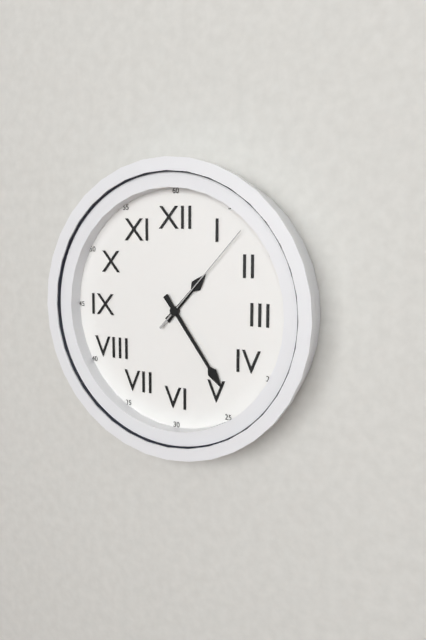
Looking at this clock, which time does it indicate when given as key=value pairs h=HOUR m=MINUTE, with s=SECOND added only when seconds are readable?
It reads h=1 m=24 s=7
